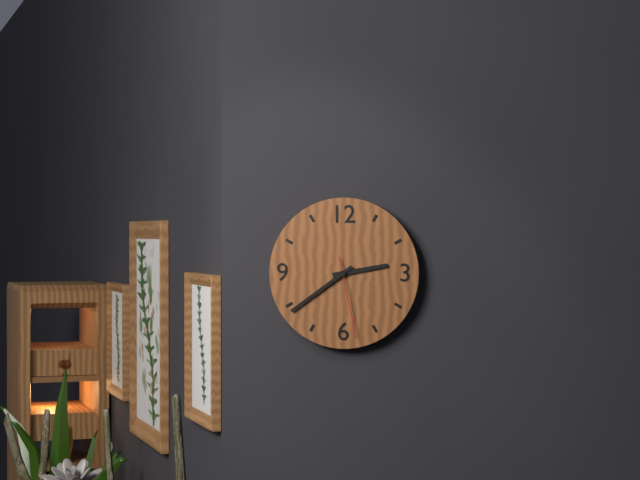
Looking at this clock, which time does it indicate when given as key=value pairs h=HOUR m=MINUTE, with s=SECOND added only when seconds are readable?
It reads h=2 m=39 s=28
